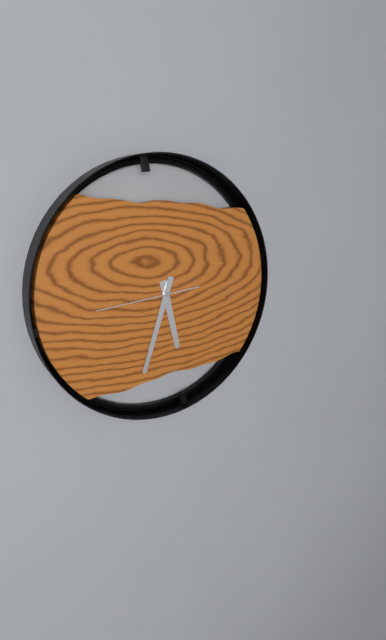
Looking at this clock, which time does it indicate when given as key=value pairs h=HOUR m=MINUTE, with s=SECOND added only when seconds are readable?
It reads h=5 m=33 s=44
